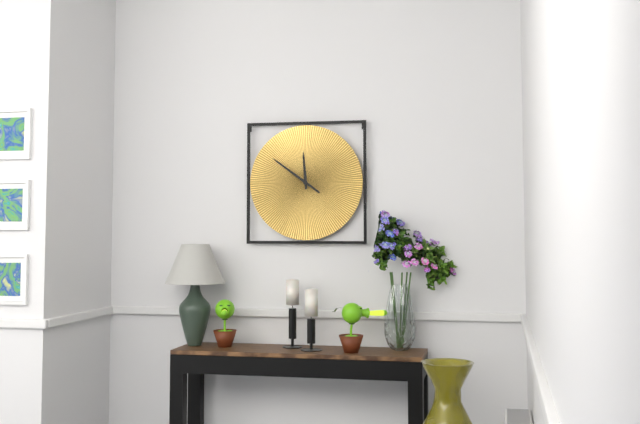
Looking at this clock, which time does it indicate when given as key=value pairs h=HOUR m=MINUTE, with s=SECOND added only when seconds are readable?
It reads h=11 m=51
